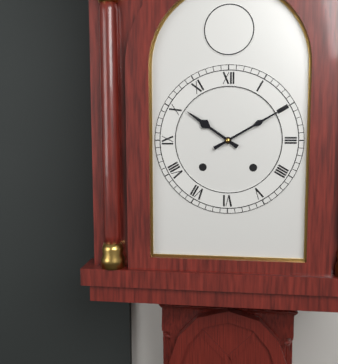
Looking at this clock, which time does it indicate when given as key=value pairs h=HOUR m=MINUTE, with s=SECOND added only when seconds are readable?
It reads h=10 m=10
